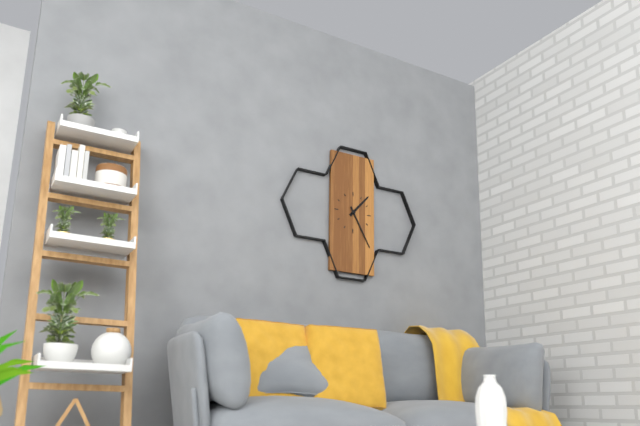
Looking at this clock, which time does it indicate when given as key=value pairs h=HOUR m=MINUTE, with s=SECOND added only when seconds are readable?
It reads h=1 m=25
